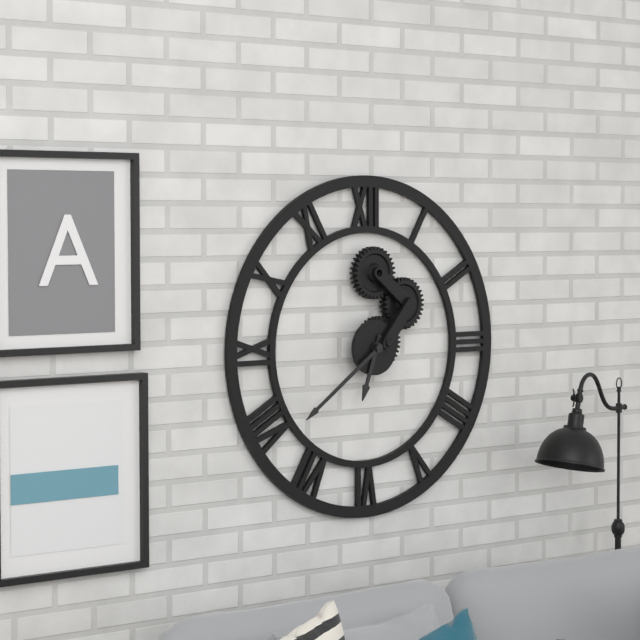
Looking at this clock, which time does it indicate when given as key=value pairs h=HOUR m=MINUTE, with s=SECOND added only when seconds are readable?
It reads h=6 m=39
